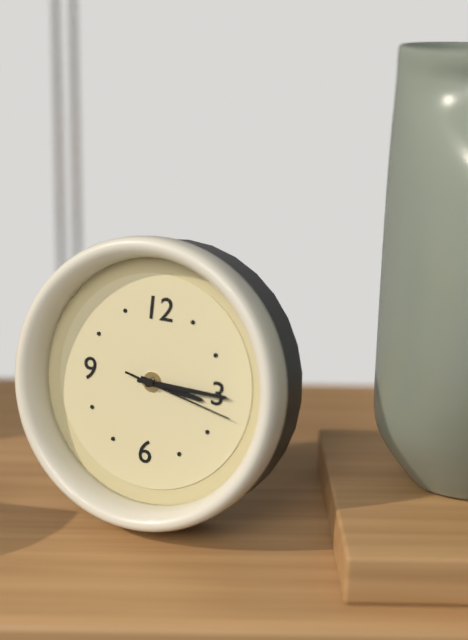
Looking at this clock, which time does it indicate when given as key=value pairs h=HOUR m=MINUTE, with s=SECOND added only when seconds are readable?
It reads h=3 m=15 s=17
